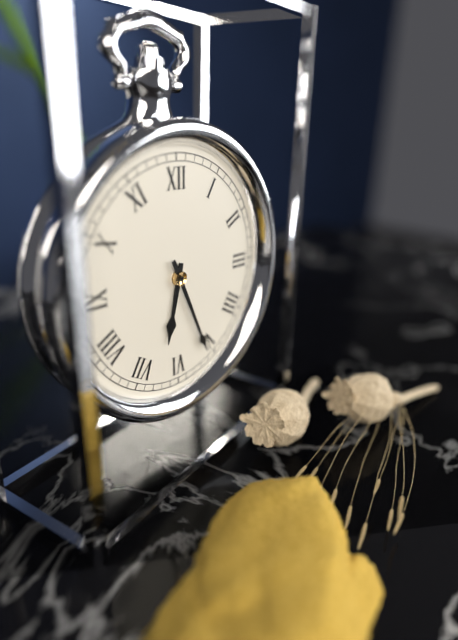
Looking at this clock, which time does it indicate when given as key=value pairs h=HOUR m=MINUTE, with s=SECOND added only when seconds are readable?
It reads h=6 m=26
